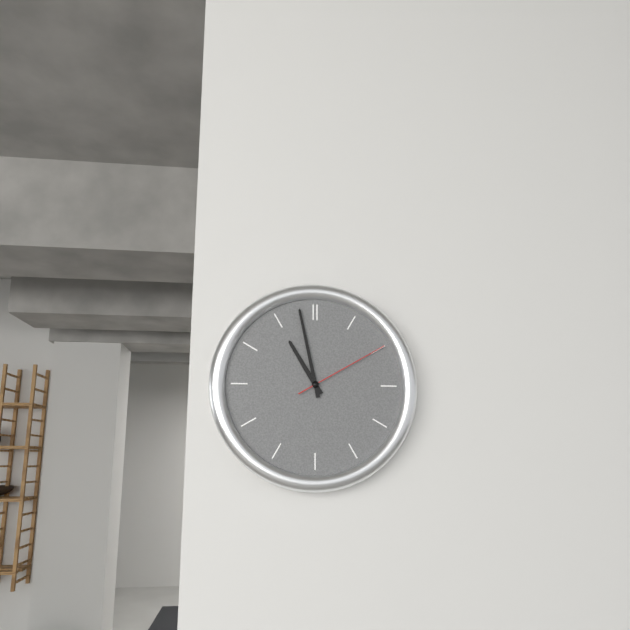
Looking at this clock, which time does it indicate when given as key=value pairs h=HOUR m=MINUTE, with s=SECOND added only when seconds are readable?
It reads h=10 m=58 s=10
